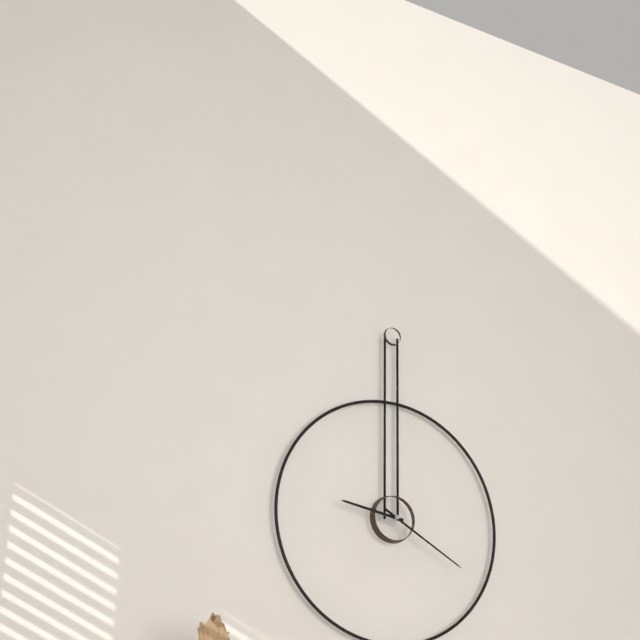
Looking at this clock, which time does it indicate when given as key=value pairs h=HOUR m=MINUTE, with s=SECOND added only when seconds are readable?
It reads h=9 m=20
